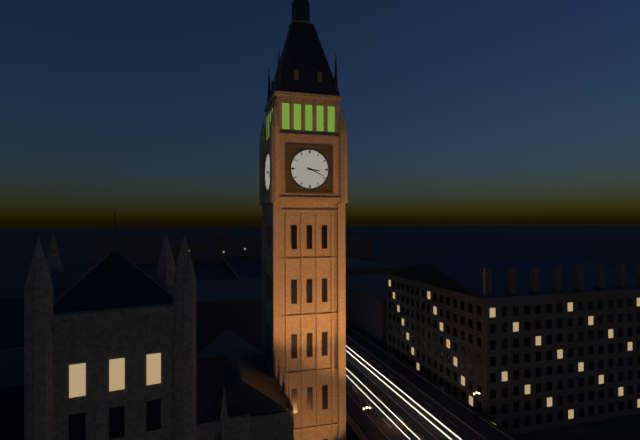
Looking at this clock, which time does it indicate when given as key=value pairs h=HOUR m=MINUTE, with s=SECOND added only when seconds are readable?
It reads h=3 m=19
